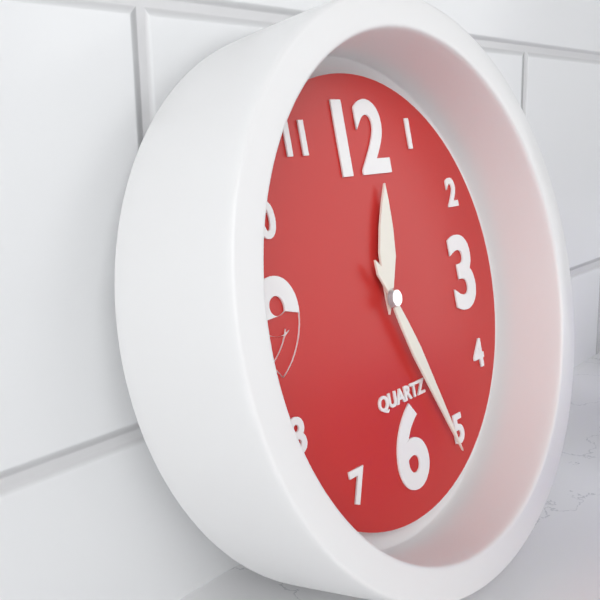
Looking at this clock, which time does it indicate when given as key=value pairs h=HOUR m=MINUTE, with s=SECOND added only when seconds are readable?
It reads h=12 m=26
